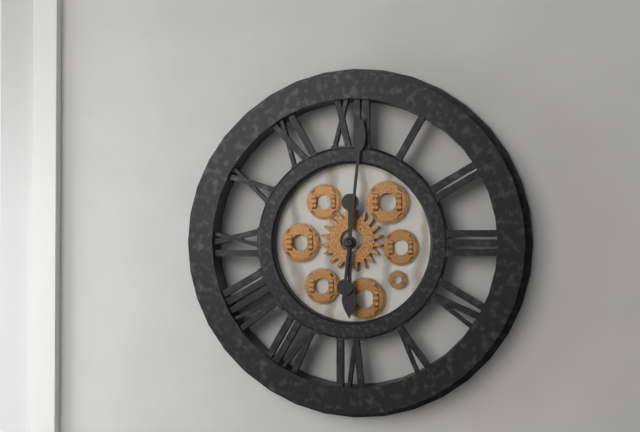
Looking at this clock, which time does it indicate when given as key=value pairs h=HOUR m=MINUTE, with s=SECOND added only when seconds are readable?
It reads h=6 m=1
